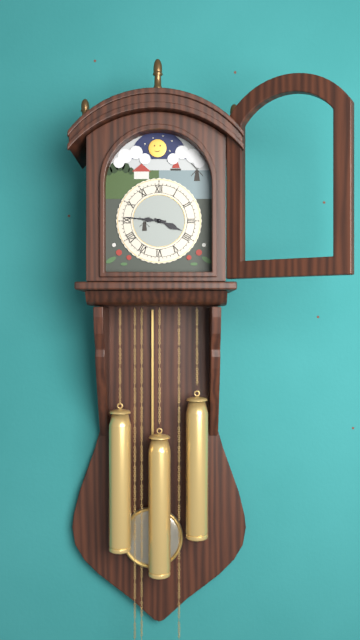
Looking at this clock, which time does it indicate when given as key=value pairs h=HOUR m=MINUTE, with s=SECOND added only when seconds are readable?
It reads h=3 m=46
